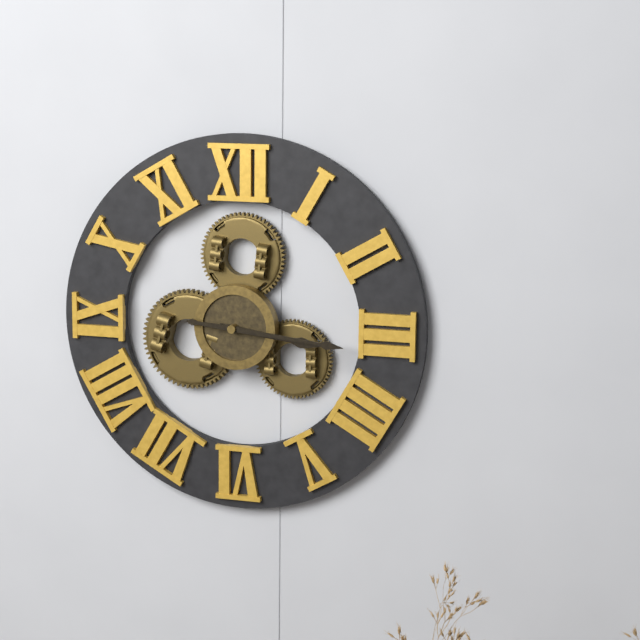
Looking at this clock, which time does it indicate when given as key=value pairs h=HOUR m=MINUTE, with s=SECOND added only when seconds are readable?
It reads h=3 m=16
